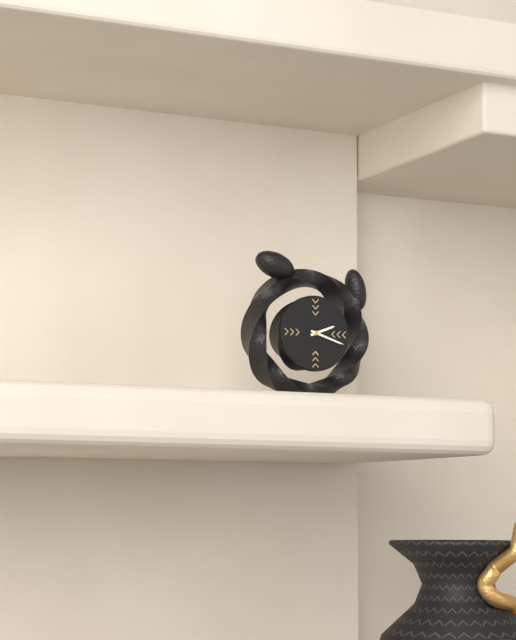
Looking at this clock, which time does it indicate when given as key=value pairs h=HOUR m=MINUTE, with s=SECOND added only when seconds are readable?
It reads h=2 m=18
